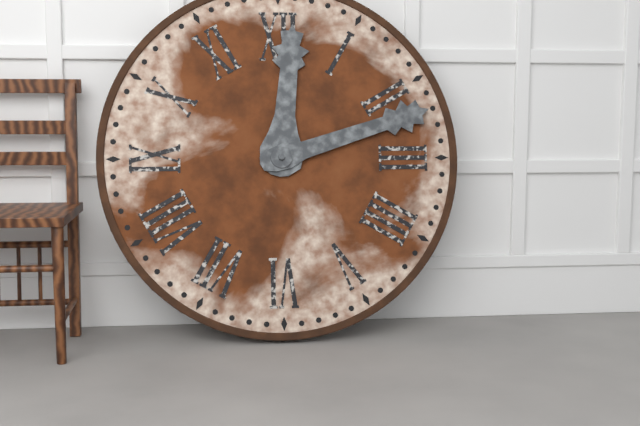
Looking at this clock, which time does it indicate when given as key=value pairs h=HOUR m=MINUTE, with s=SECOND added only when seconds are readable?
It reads h=12 m=12
